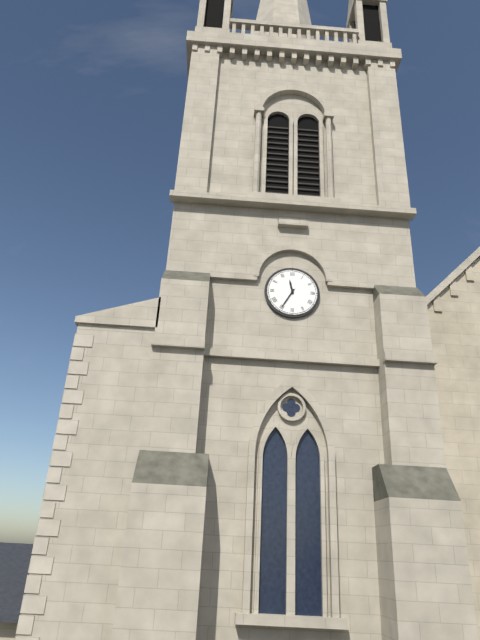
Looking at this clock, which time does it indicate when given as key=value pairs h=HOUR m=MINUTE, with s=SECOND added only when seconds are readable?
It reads h=11 m=35
